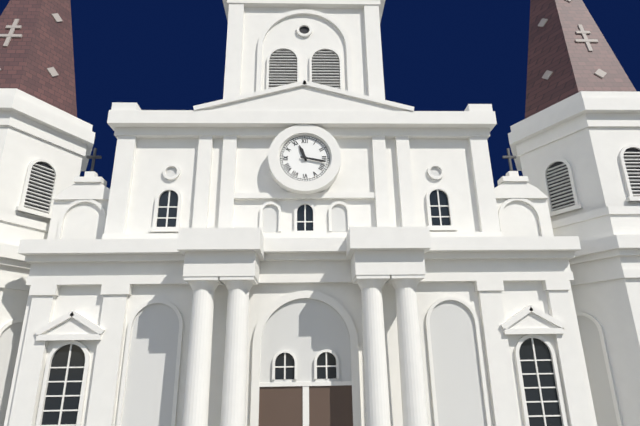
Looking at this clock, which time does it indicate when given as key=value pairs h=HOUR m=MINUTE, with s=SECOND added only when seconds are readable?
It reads h=11 m=17
